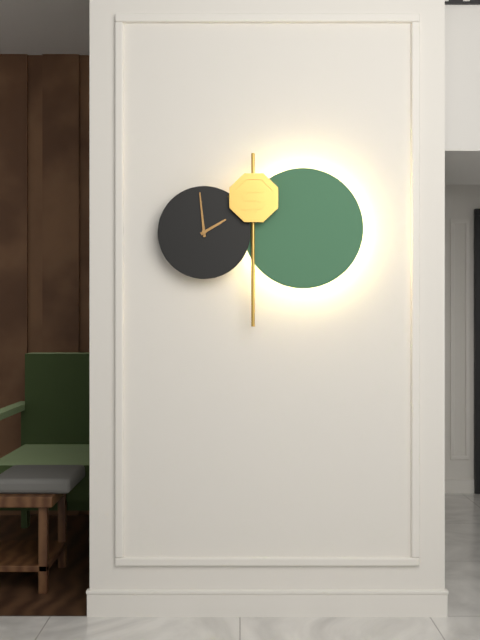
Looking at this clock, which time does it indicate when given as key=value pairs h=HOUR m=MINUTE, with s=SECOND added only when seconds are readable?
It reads h=1 m=59
